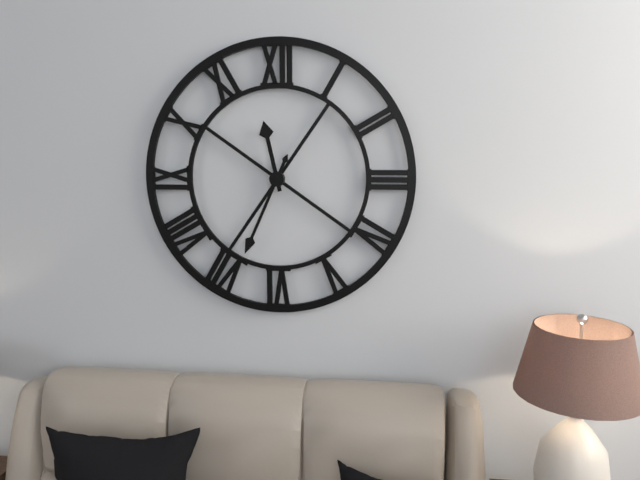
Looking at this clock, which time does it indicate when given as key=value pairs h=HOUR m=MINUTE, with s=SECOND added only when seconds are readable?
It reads h=11 m=34
